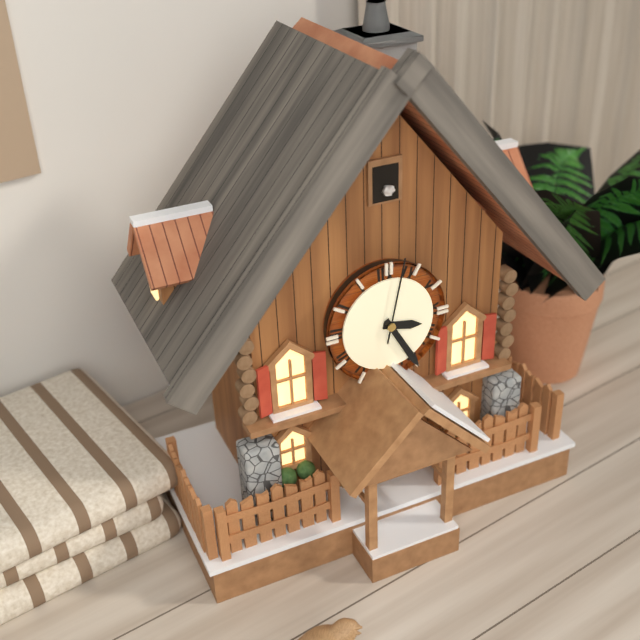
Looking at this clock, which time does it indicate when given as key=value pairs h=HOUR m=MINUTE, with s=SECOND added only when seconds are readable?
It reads h=3 m=25 s=2
